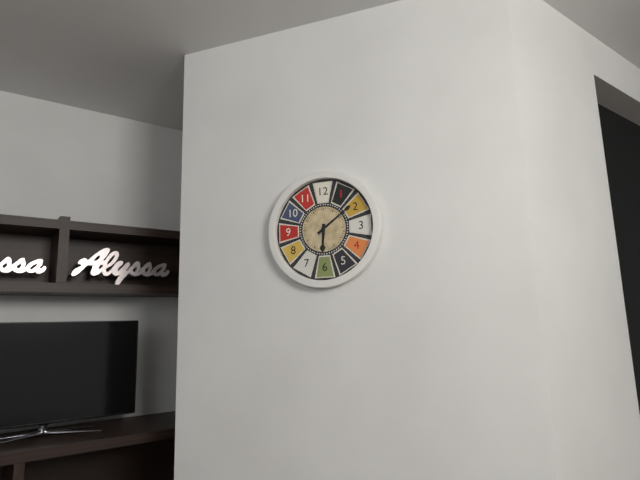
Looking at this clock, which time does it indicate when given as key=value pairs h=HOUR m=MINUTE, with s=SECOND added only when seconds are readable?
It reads h=6 m=9
